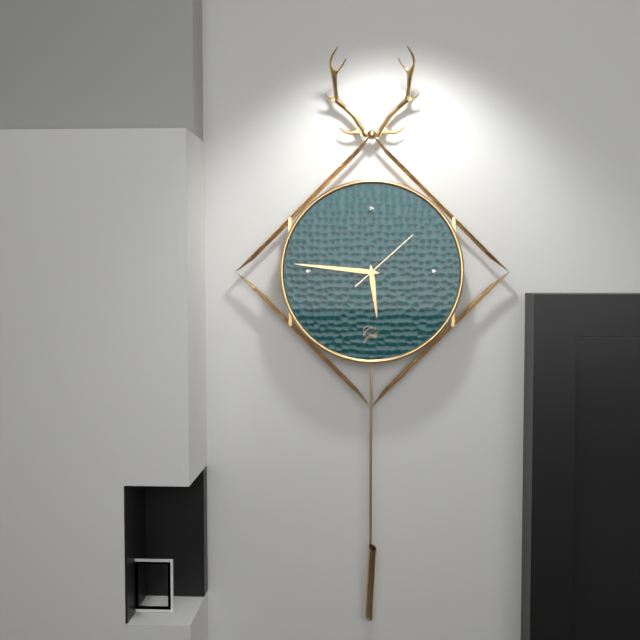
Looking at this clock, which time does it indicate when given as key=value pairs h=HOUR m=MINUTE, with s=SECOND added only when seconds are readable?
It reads h=5 m=46 s=8
